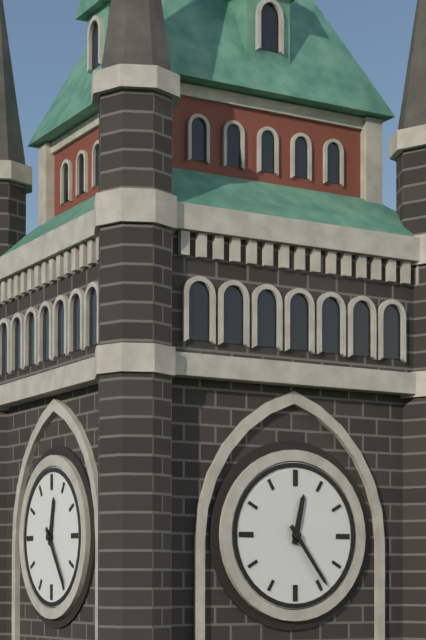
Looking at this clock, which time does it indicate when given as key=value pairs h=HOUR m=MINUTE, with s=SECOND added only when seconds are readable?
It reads h=12 m=24
